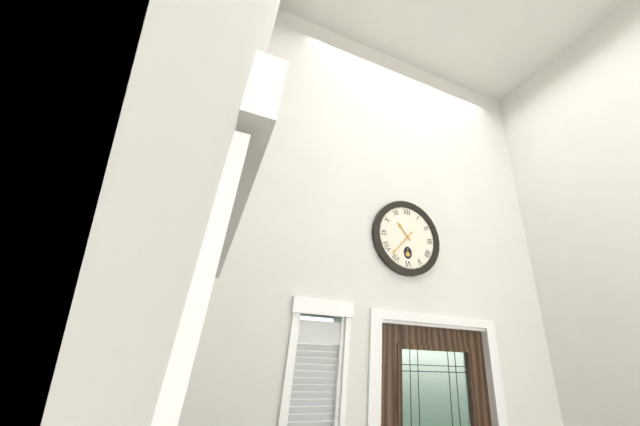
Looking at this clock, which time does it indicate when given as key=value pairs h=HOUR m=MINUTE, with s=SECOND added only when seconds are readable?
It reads h=10 m=37
